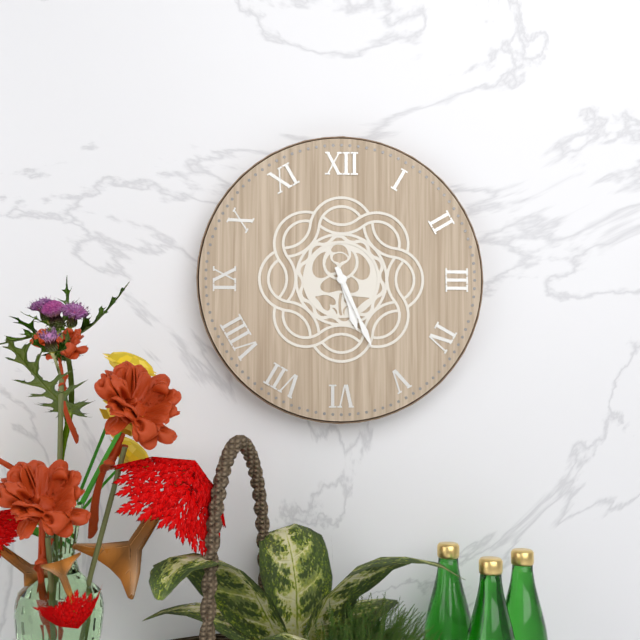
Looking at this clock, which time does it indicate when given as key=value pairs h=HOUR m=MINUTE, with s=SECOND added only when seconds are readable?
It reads h=5 m=26
